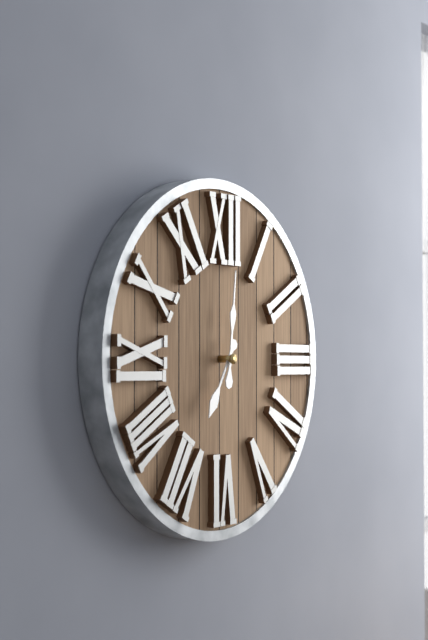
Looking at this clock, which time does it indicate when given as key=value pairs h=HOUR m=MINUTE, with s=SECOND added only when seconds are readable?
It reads h=7 m=1
